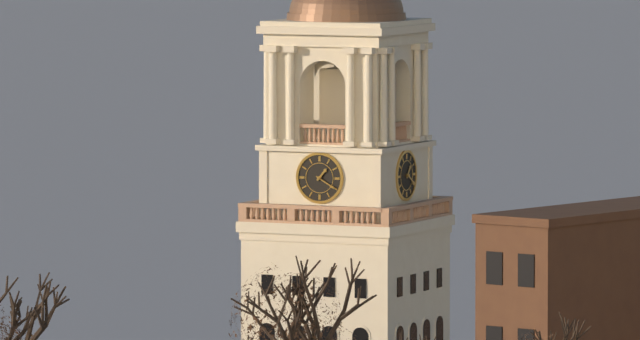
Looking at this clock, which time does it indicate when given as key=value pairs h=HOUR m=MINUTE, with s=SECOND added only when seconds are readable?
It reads h=1 m=20
